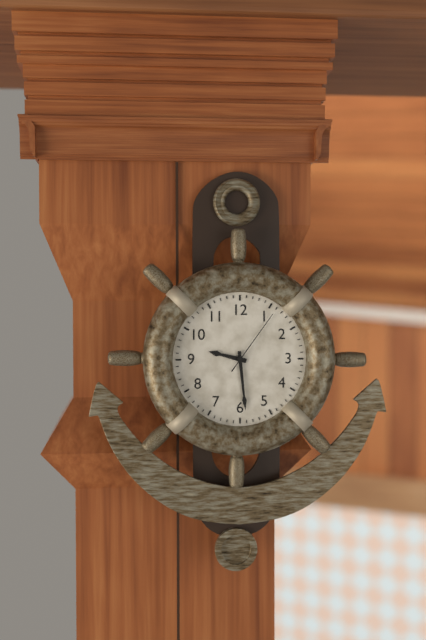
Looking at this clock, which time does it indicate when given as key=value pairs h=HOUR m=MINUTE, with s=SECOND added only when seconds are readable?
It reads h=9 m=29 s=6
